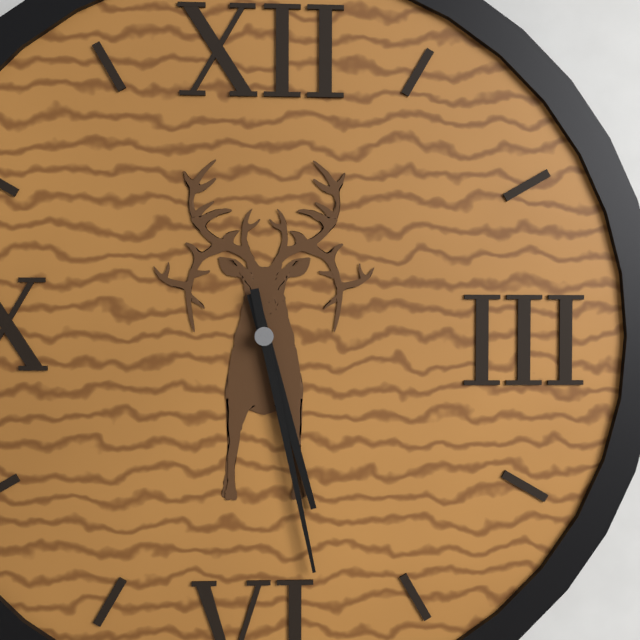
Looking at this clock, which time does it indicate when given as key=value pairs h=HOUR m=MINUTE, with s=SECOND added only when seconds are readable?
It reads h=5 m=28
